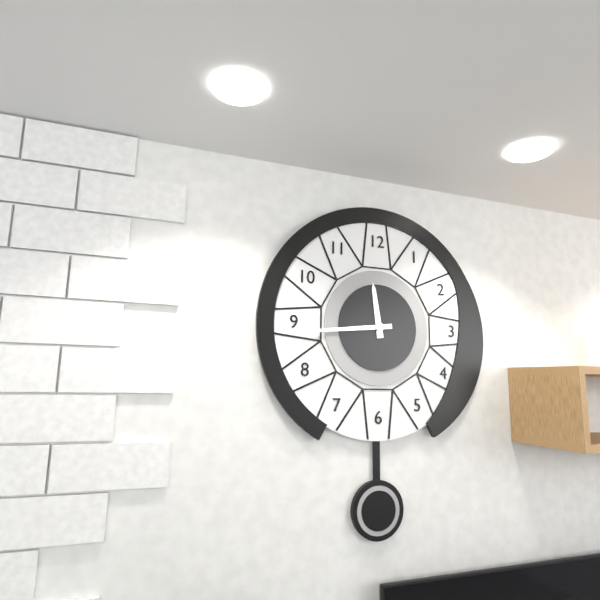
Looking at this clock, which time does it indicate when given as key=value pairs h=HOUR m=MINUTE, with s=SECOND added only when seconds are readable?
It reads h=11 m=44
